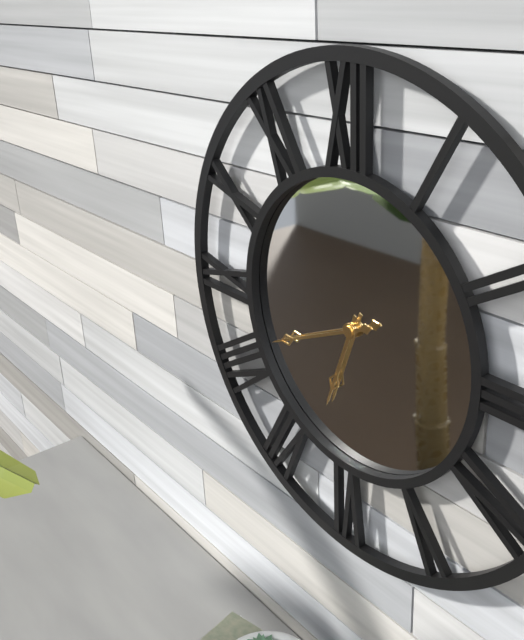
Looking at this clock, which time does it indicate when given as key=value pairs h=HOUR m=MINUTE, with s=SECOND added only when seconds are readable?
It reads h=6 m=41
